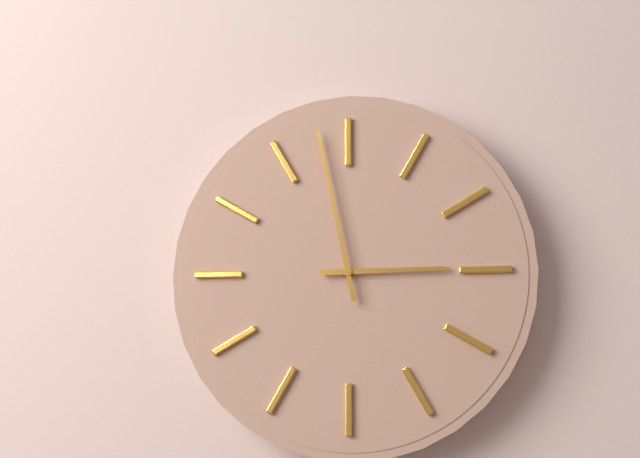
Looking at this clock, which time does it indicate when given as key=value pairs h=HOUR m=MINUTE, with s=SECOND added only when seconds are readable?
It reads h=2 m=58
